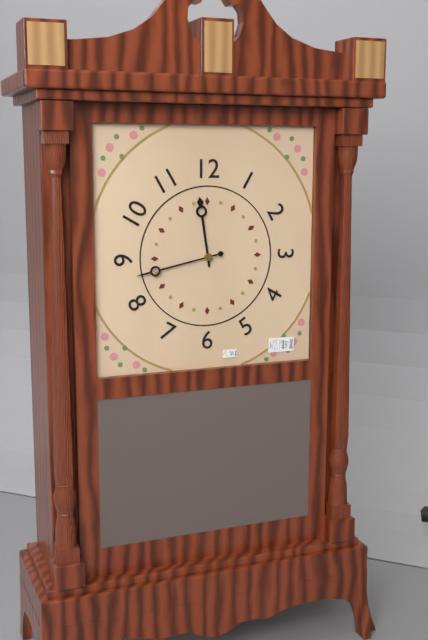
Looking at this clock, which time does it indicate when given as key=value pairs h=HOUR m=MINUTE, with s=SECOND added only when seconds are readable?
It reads h=11 m=43
